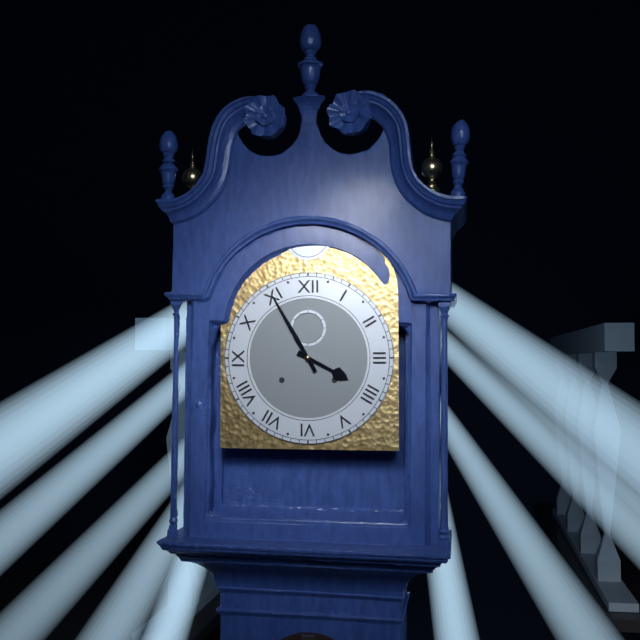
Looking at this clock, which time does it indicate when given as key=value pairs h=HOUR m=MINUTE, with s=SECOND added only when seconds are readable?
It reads h=3 m=55
